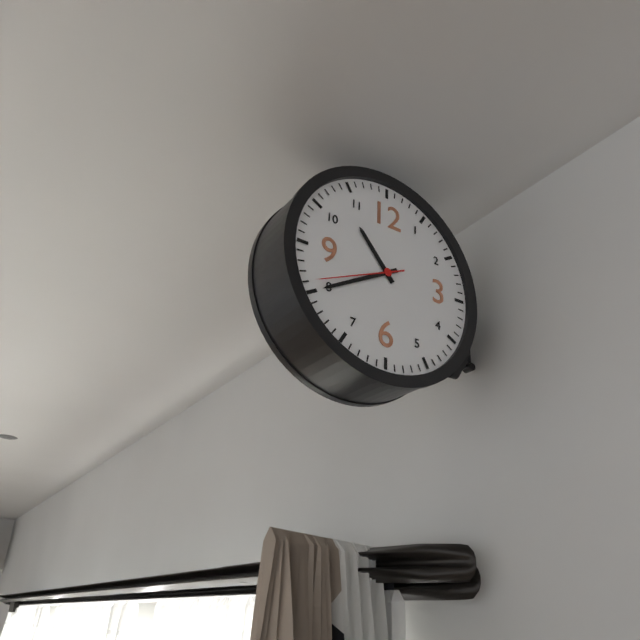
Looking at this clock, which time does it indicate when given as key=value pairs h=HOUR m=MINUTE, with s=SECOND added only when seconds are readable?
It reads h=10 m=40 s=41
